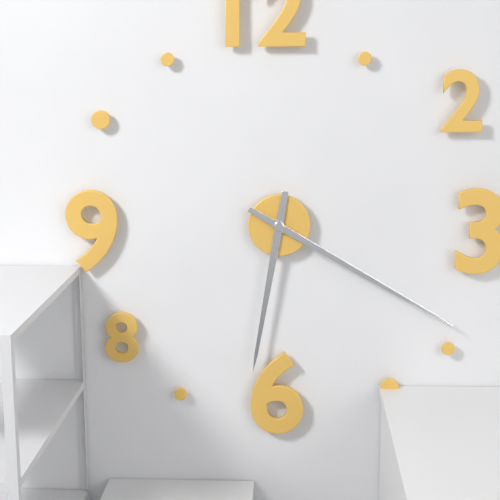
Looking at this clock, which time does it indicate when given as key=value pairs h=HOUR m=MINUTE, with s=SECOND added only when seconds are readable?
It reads h=6 m=20
